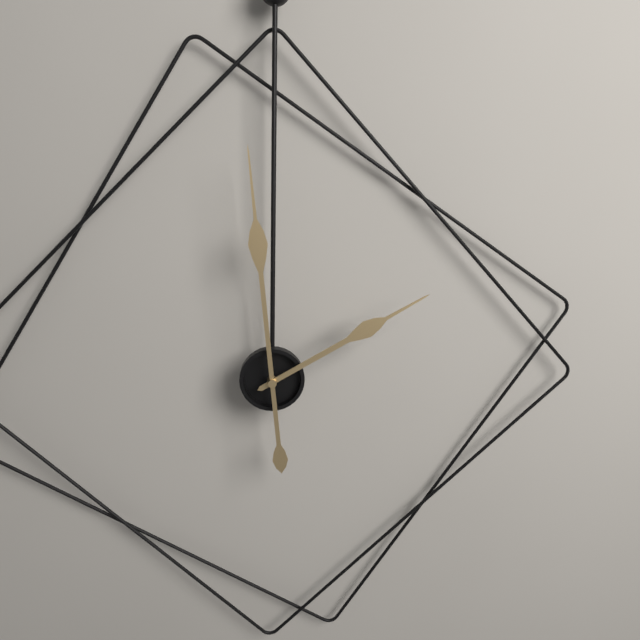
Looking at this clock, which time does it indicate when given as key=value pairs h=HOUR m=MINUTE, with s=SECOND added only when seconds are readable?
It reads h=1 m=59
